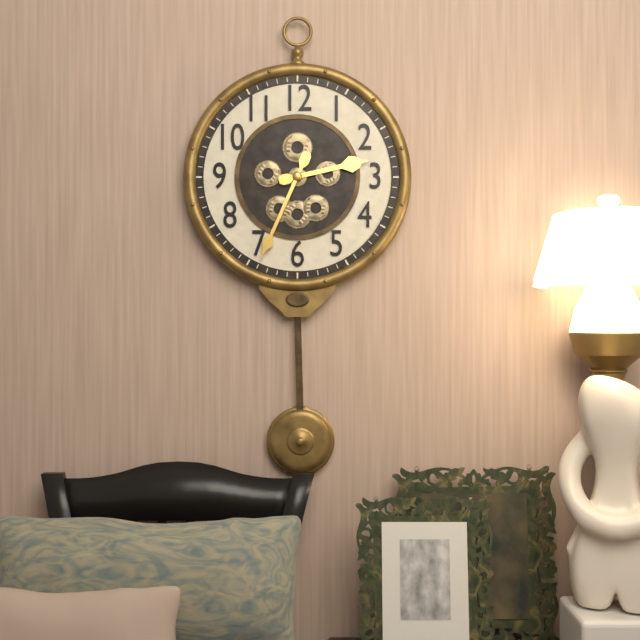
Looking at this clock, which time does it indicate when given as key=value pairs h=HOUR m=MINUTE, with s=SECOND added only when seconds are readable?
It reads h=2 m=34
